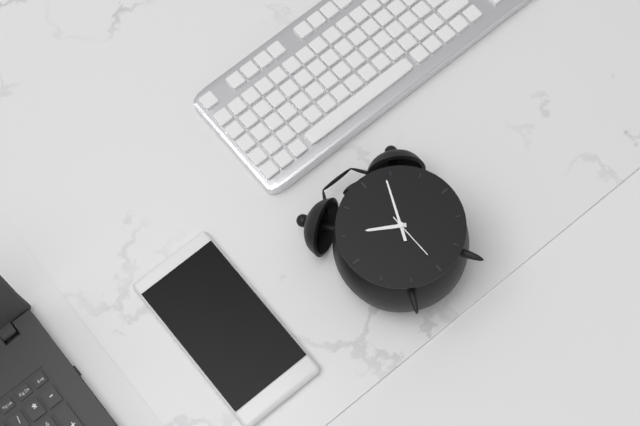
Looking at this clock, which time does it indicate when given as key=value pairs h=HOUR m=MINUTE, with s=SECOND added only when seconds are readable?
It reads h=10 m=4 s=30
